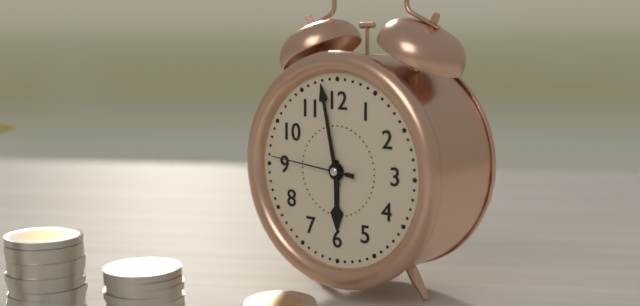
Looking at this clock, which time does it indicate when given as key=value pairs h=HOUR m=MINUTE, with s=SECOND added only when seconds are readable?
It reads h=5 m=58 s=46
